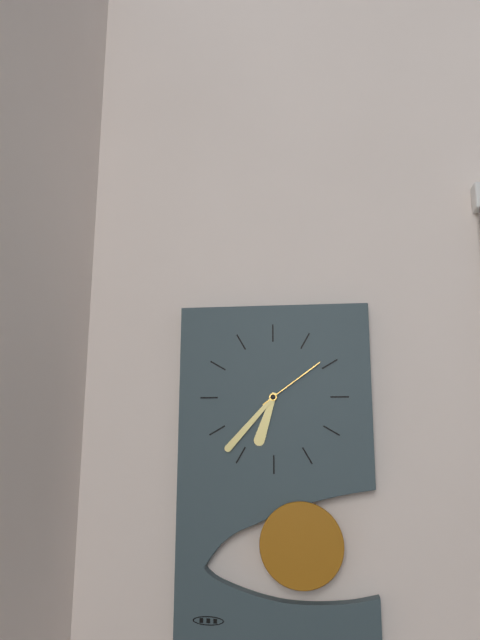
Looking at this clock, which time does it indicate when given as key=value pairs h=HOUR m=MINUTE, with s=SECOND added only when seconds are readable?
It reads h=6 m=37 s=9
